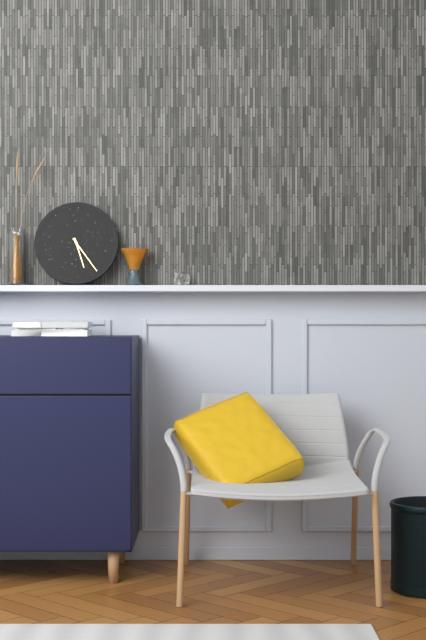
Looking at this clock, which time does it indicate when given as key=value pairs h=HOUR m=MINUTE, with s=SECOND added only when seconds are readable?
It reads h=5 m=24
